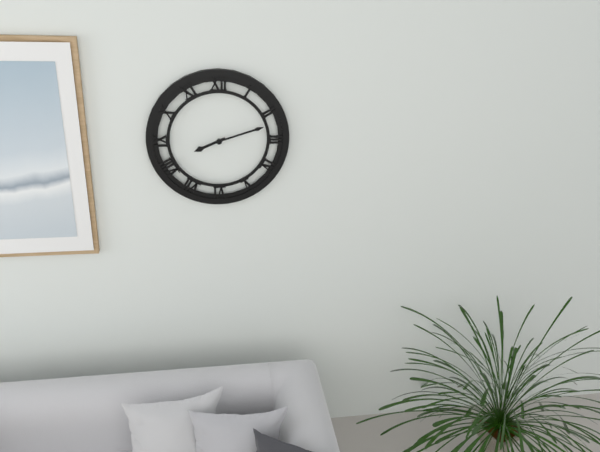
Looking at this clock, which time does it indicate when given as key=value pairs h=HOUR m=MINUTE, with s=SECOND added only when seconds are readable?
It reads h=8 m=12
